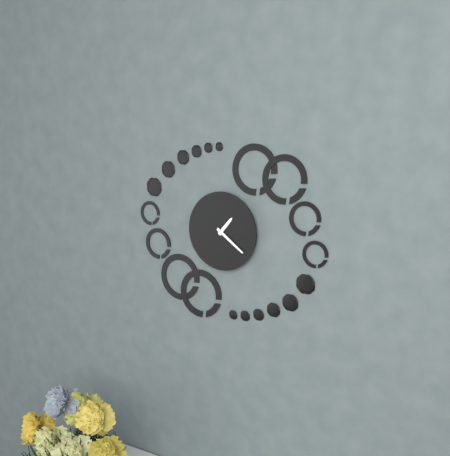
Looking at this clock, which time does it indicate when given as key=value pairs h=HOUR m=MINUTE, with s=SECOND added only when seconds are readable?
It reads h=1 m=21
